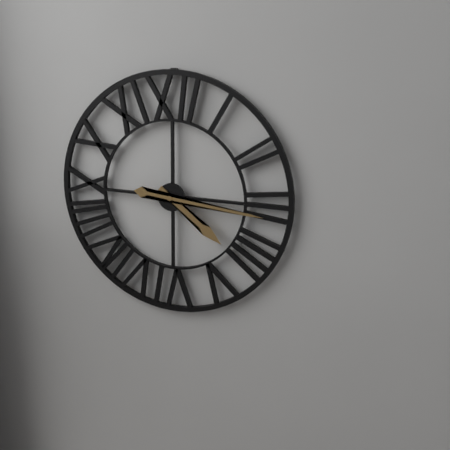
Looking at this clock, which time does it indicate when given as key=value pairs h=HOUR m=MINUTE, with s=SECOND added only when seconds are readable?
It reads h=4 m=16
